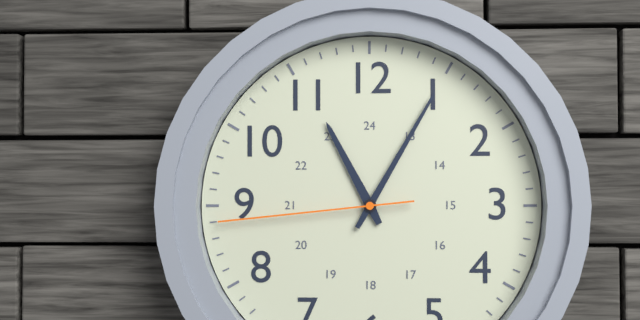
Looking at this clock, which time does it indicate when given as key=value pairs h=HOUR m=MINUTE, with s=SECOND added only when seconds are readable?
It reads h=11 m=5 s=44
